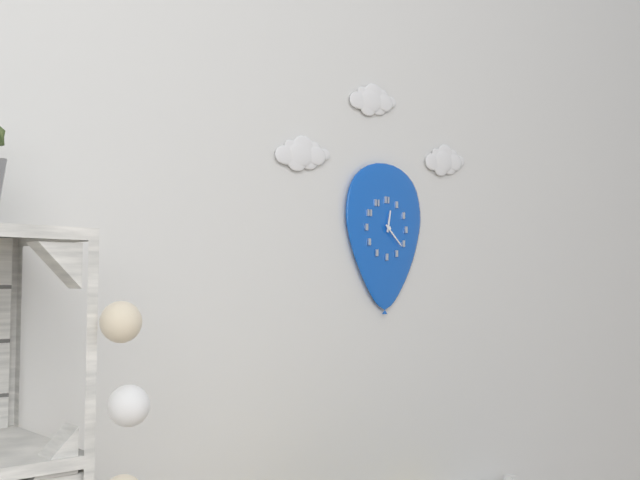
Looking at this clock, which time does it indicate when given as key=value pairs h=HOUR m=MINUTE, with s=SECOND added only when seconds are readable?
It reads h=12 m=22
